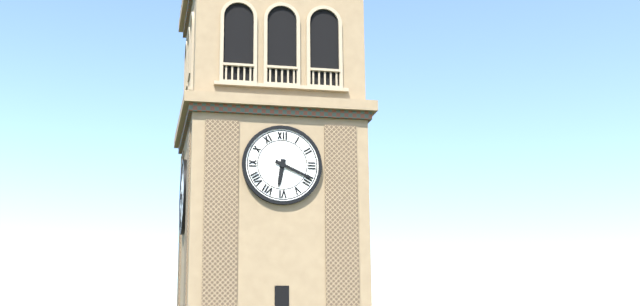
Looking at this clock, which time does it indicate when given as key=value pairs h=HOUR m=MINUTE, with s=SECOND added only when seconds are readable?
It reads h=6 m=19
